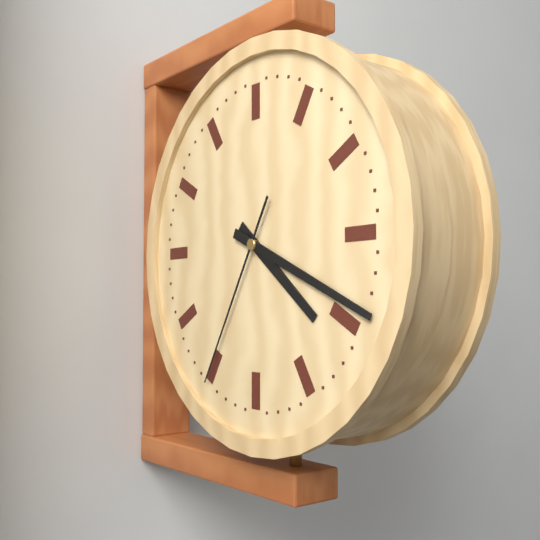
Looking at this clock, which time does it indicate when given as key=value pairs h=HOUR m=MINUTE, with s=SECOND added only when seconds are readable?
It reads h=4 m=19 s=35
